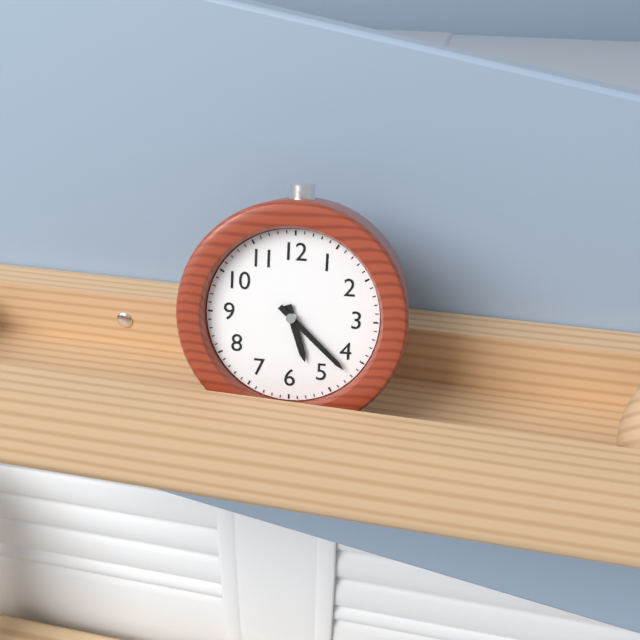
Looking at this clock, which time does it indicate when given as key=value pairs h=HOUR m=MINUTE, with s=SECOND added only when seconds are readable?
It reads h=5 m=22
